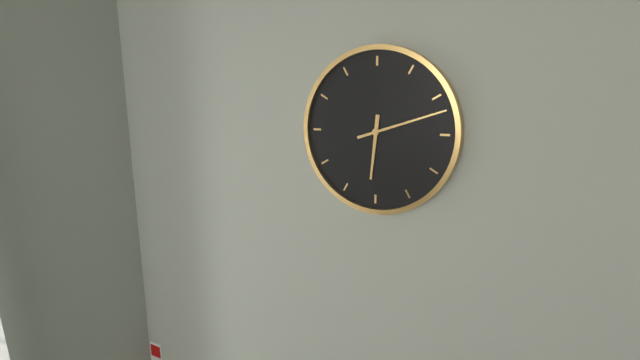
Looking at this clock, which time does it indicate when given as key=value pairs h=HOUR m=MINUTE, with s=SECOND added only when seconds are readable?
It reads h=6 m=12
